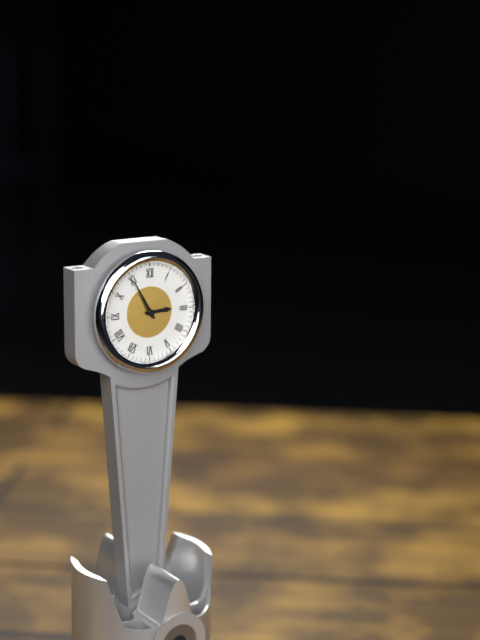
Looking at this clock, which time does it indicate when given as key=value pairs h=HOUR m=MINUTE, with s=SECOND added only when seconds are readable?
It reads h=2 m=55
